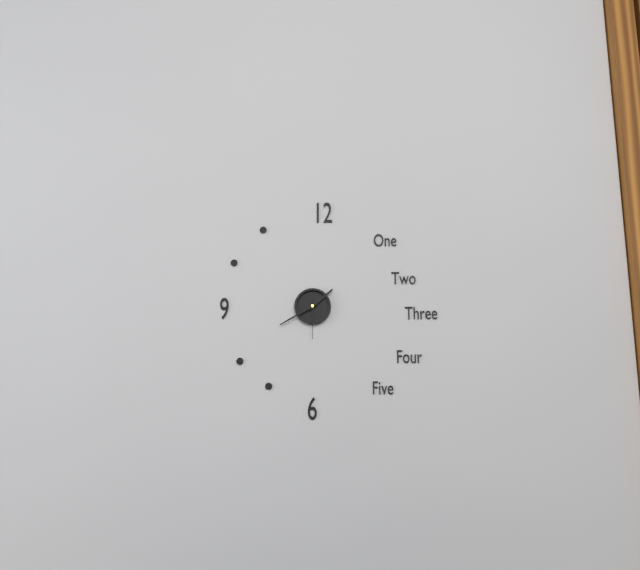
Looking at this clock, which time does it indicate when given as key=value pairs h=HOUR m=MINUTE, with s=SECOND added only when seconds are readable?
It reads h=1 m=40
